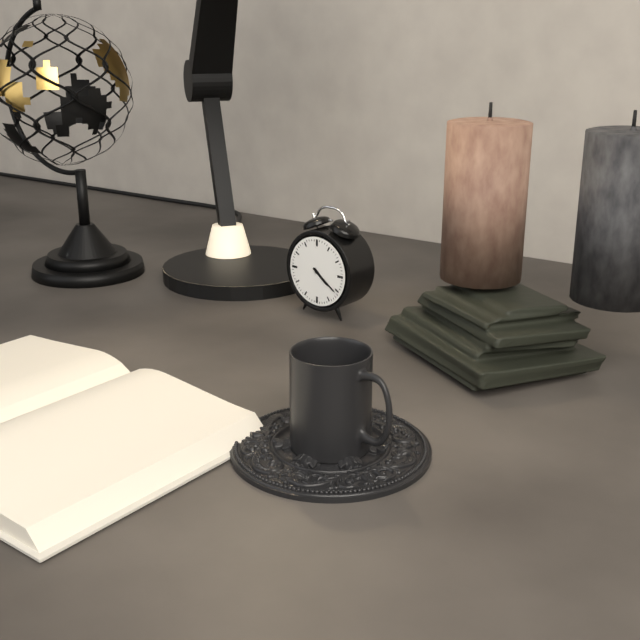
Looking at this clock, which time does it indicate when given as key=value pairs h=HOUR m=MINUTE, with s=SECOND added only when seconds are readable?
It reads h=4 m=21
